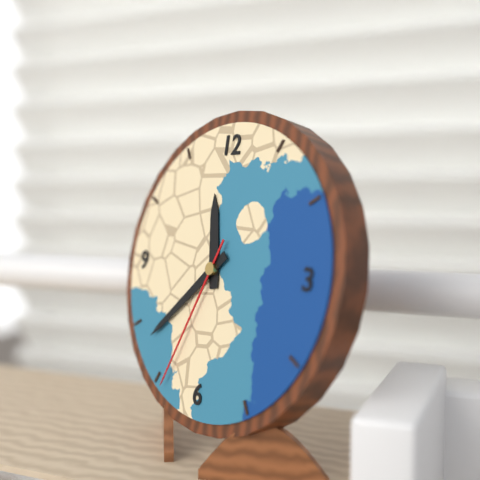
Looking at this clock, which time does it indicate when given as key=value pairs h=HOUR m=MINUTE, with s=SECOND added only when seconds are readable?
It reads h=11 m=38 s=34
